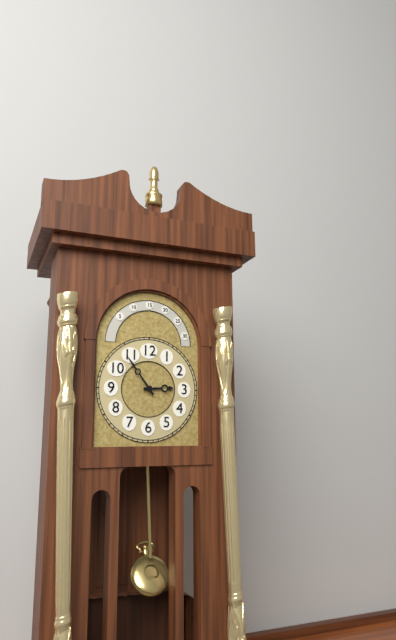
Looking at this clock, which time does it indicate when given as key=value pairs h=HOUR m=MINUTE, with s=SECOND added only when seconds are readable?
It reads h=2 m=54
